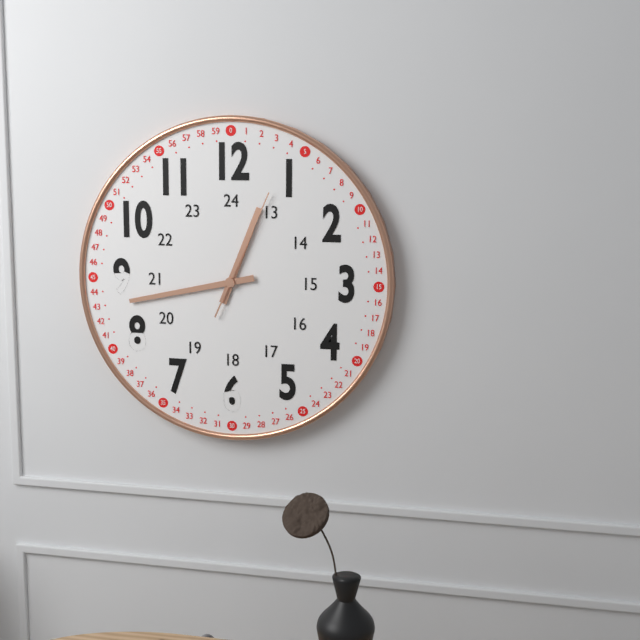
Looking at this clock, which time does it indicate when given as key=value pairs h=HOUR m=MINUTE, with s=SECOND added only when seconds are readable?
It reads h=12 m=43 s=4
